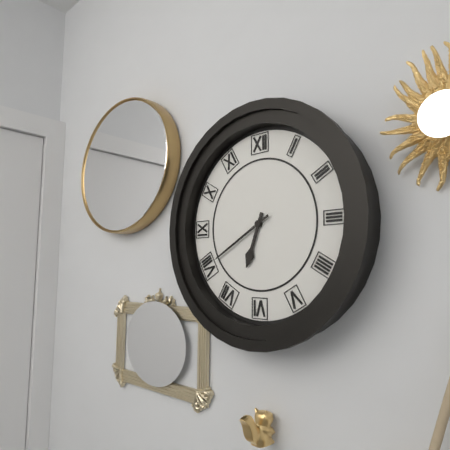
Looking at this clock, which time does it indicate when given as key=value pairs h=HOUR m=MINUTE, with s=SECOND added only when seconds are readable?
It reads h=6 m=40
